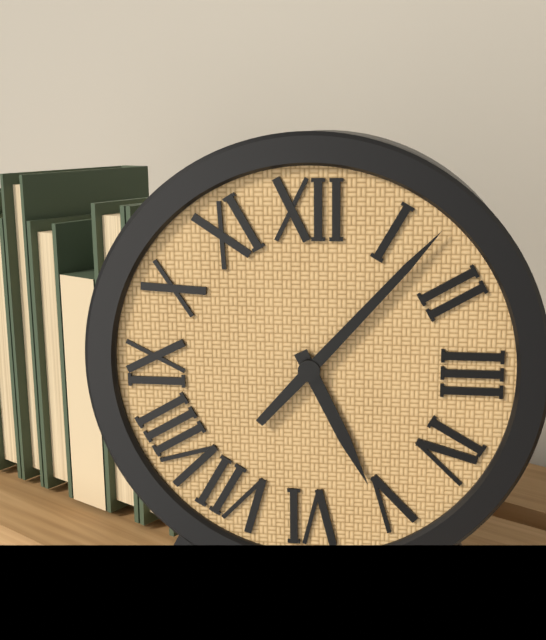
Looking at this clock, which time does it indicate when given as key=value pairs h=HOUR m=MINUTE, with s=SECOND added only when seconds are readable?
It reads h=5 m=7
